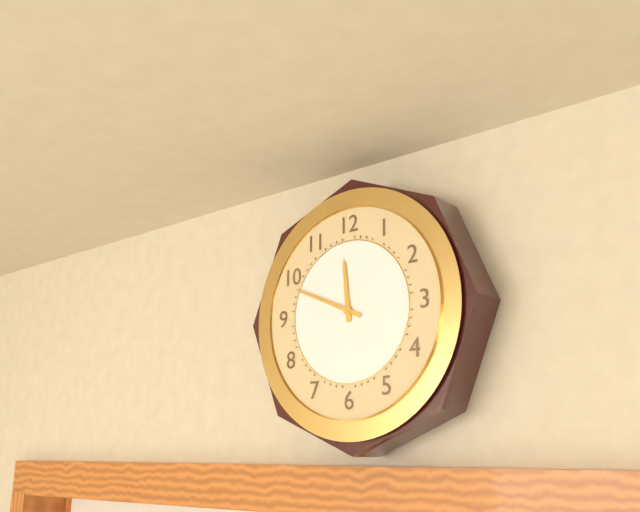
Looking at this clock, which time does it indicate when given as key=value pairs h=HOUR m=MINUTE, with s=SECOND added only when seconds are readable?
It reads h=11 m=49
